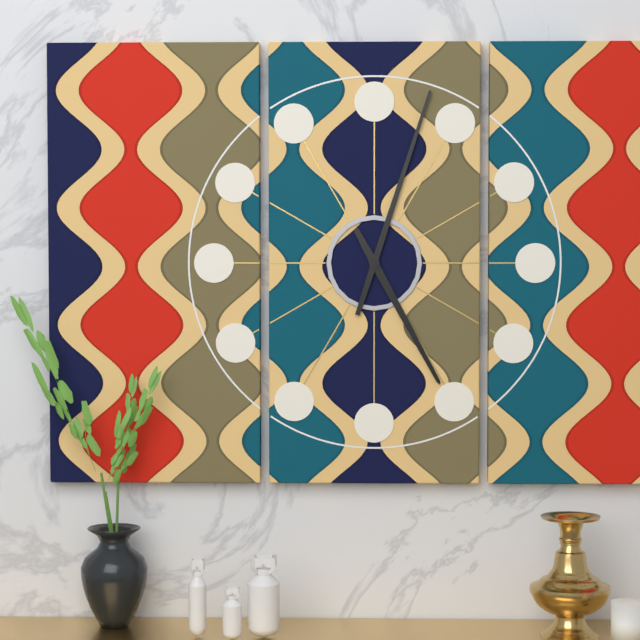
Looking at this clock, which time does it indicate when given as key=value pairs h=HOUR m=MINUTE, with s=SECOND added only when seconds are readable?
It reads h=5 m=3
